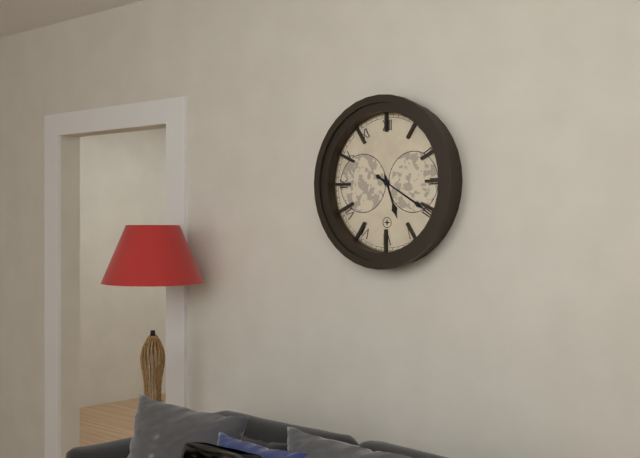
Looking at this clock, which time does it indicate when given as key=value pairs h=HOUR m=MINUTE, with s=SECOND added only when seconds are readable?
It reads h=5 m=20
